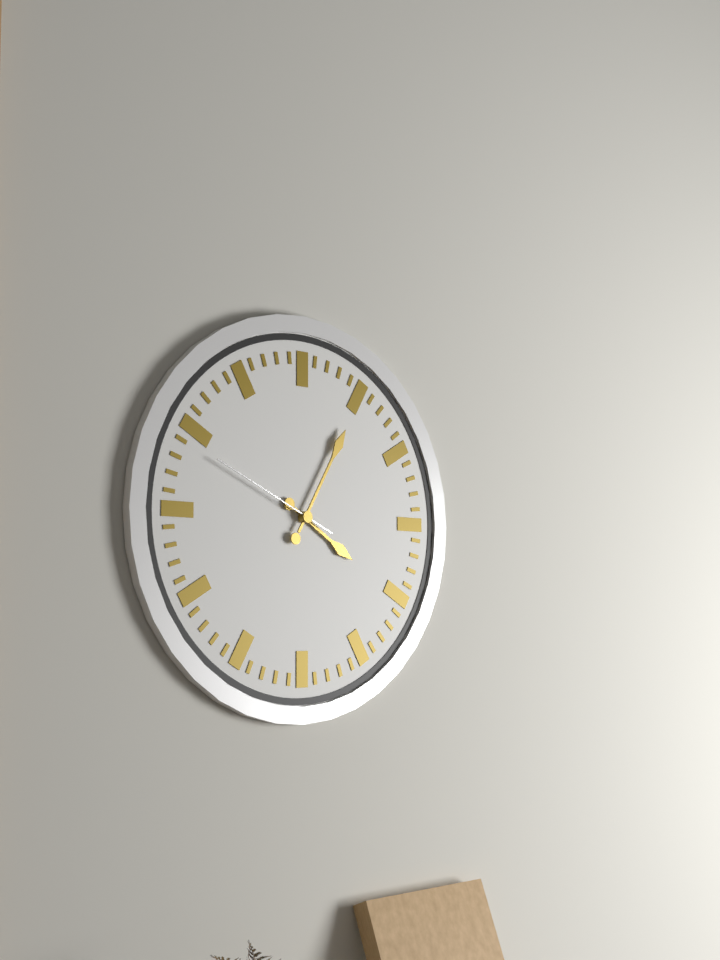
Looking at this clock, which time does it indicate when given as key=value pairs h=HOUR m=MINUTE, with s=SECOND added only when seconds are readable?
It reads h=4 m=5 s=49
